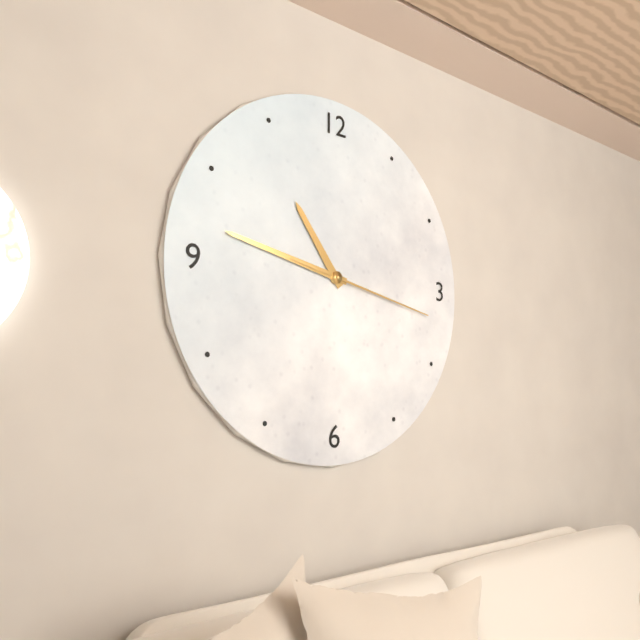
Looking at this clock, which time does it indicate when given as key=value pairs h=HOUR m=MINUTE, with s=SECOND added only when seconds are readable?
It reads h=10 m=47 s=17
